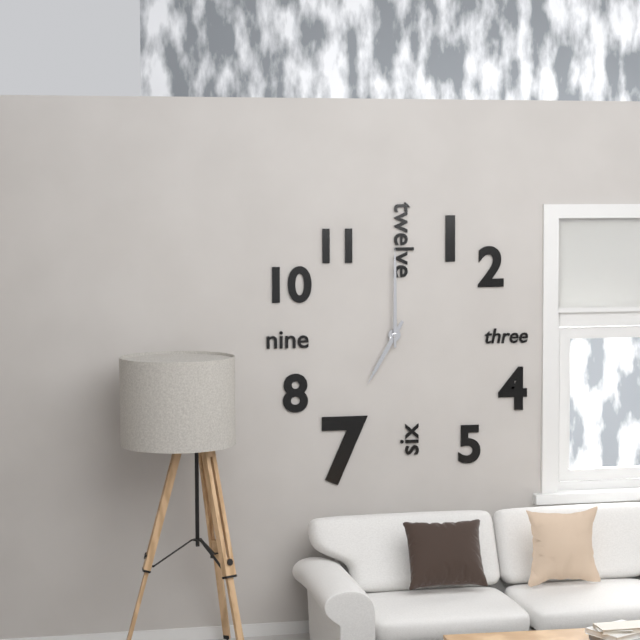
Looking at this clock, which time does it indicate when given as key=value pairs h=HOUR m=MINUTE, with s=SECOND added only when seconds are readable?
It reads h=7 m=0
